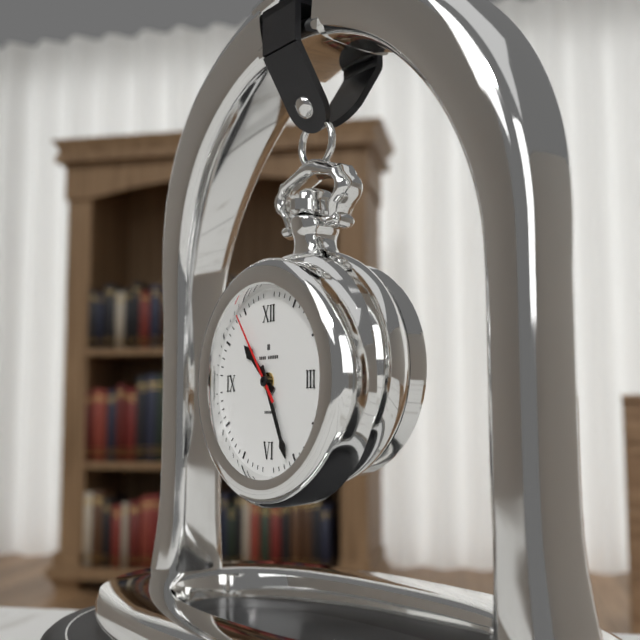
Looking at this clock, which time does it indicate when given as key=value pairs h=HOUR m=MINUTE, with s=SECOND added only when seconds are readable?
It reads h=10 m=26 s=54
